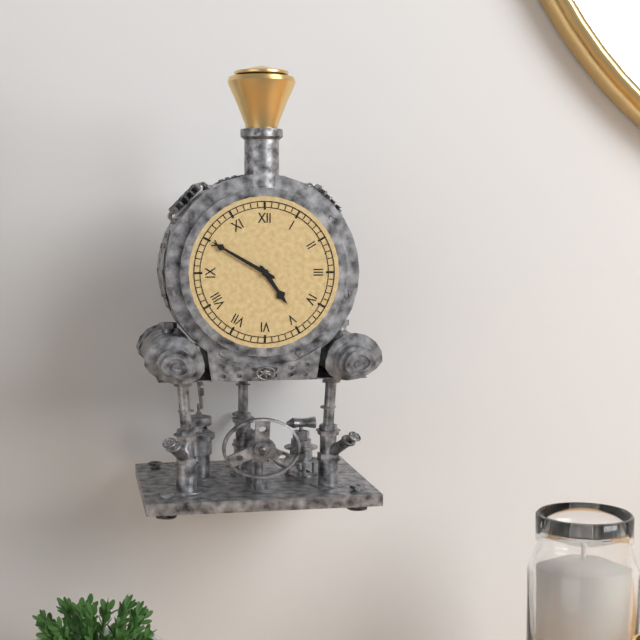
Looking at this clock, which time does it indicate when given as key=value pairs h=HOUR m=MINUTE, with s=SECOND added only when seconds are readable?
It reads h=4 m=50
